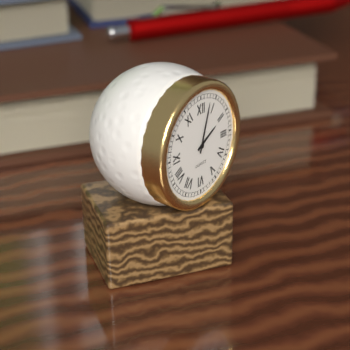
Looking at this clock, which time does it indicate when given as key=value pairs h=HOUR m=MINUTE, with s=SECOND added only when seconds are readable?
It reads h=2 m=3
